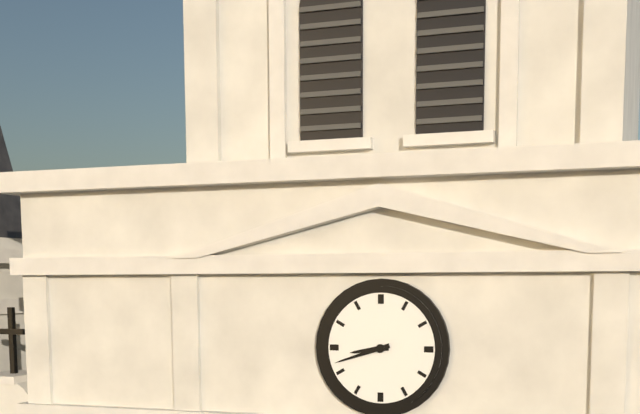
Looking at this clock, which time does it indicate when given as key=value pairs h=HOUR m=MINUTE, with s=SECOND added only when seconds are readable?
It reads h=8 m=42
